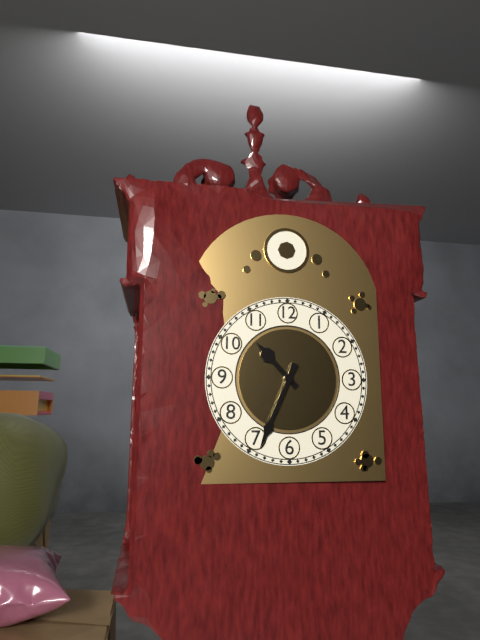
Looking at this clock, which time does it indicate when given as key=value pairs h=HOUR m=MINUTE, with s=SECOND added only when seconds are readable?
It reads h=10 m=34
